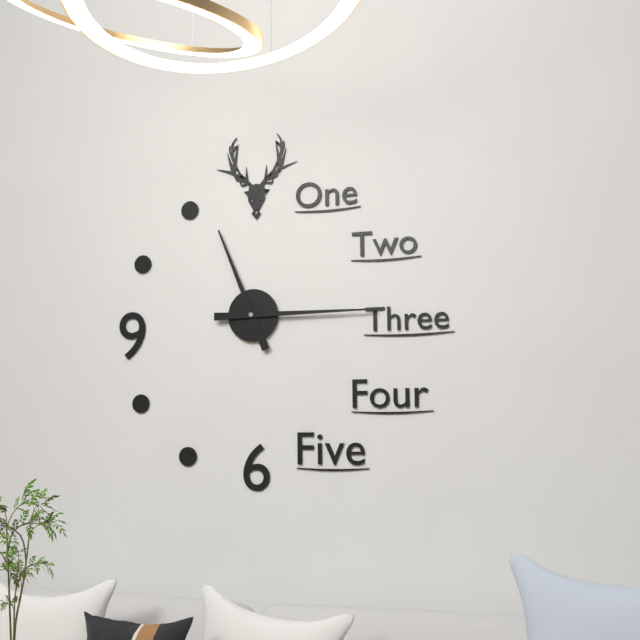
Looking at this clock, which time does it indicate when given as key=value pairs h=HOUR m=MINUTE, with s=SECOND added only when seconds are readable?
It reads h=11 m=15
